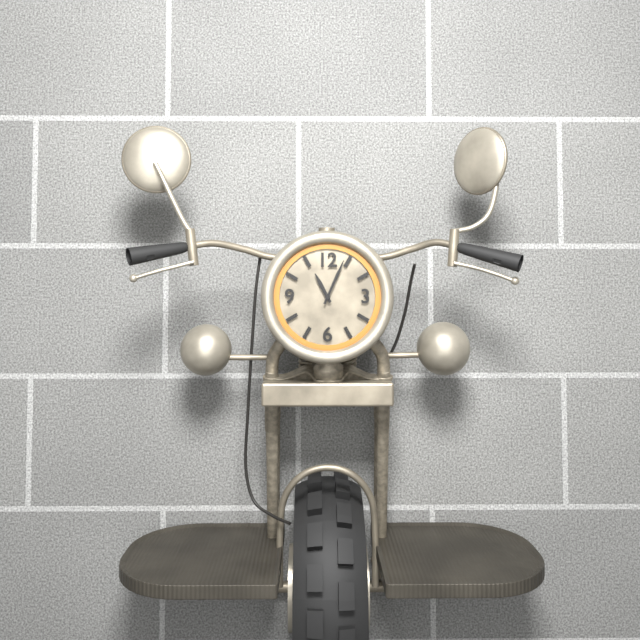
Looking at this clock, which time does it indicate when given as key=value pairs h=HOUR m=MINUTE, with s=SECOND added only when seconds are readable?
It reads h=11 m=4
